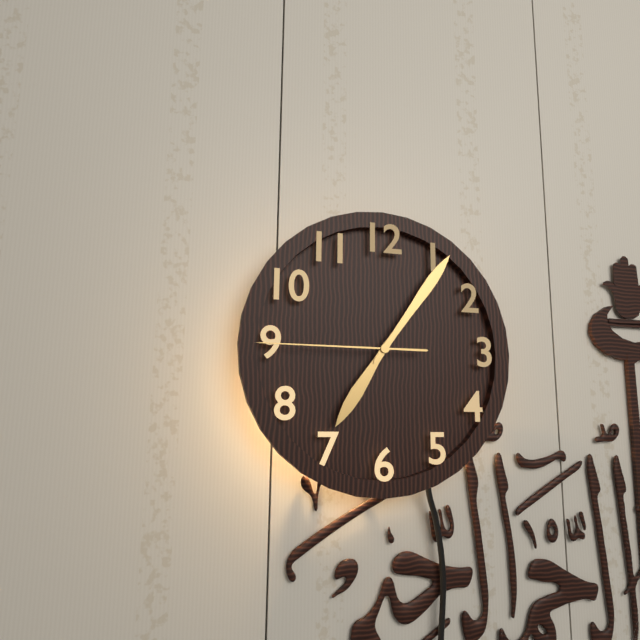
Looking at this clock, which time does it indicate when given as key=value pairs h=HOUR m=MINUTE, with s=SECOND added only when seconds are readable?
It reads h=7 m=6 s=45
